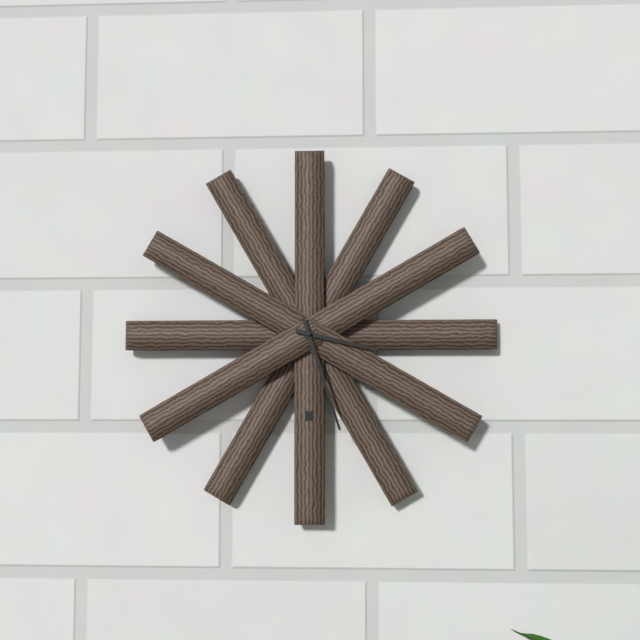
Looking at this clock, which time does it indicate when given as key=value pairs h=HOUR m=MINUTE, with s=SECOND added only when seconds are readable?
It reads h=3 m=27
